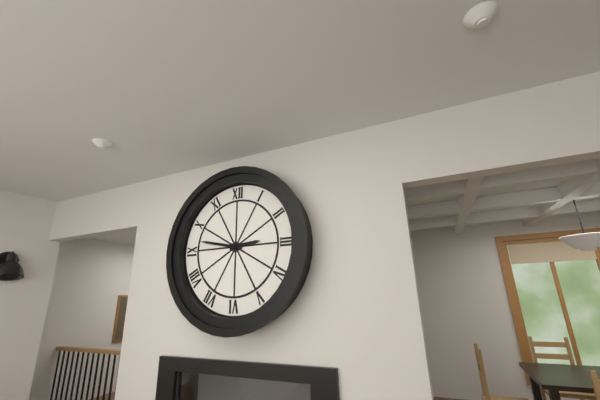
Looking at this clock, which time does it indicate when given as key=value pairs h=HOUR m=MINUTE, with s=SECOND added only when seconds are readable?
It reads h=2 m=47
